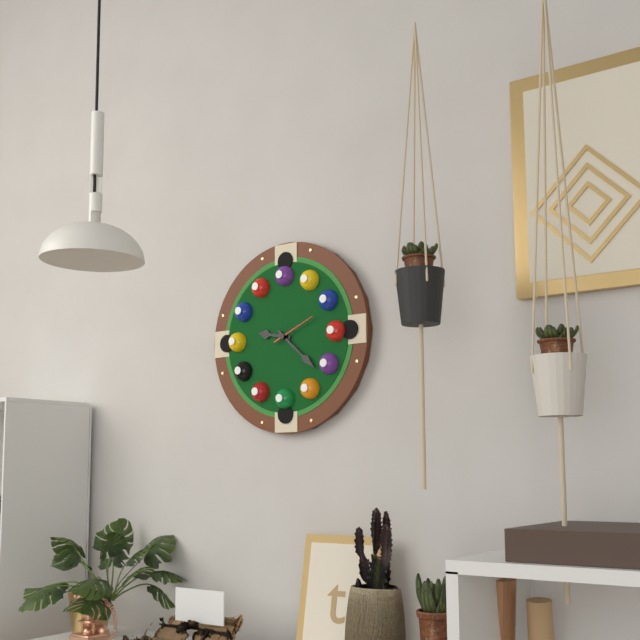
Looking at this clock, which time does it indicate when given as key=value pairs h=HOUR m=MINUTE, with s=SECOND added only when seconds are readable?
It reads h=9 m=22
